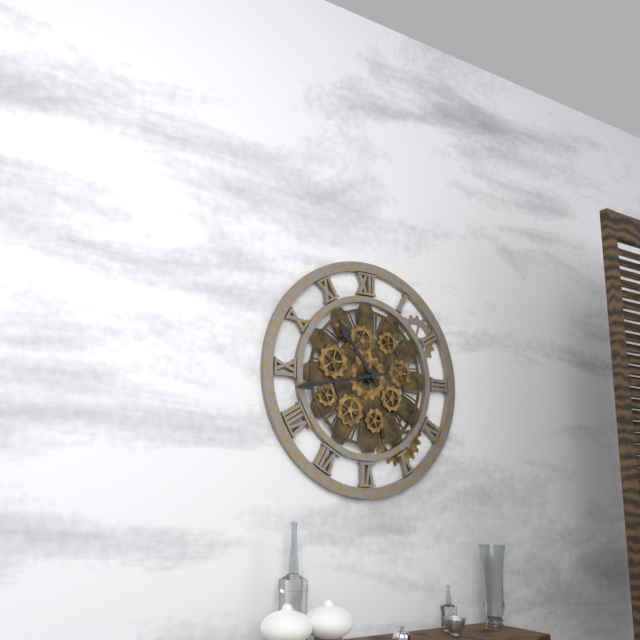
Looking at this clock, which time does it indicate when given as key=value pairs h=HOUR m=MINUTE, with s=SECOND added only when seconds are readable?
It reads h=10 m=43
